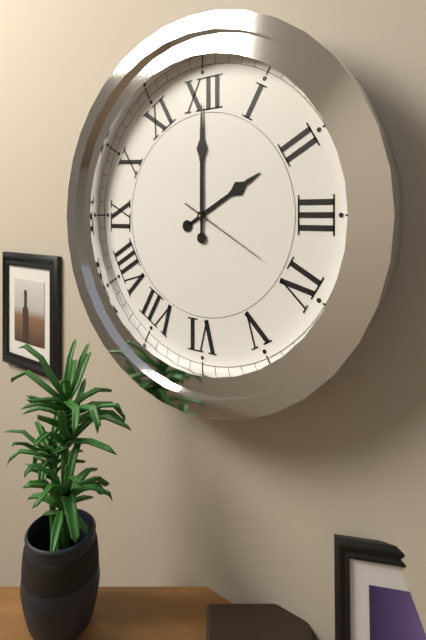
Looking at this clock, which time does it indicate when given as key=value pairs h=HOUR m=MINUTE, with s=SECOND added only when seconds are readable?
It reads h=2 m=0 s=20
